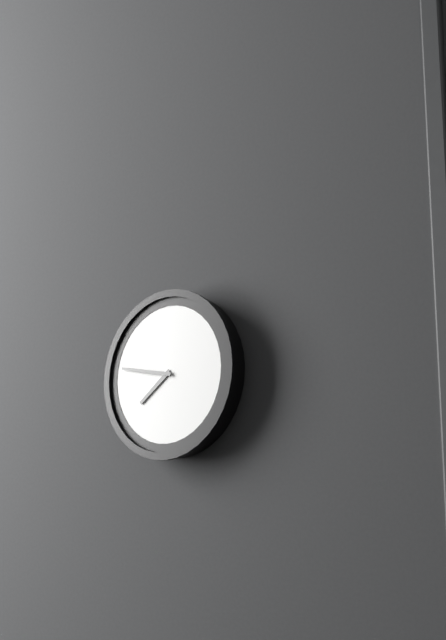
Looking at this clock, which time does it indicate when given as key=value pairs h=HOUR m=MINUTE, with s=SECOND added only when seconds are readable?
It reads h=7 m=47
